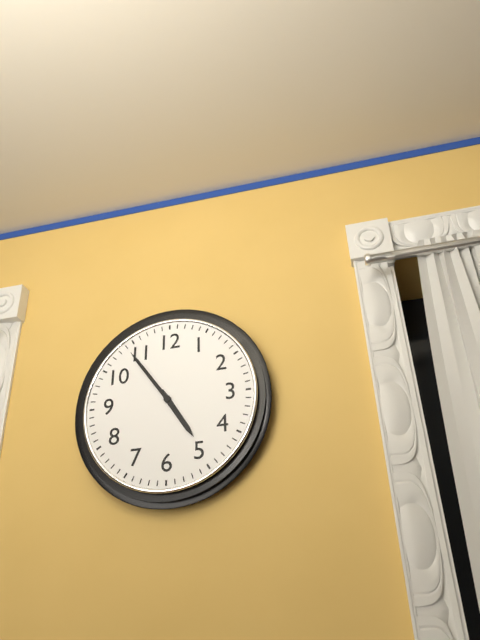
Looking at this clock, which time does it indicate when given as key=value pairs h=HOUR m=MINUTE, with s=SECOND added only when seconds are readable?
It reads h=4 m=54
